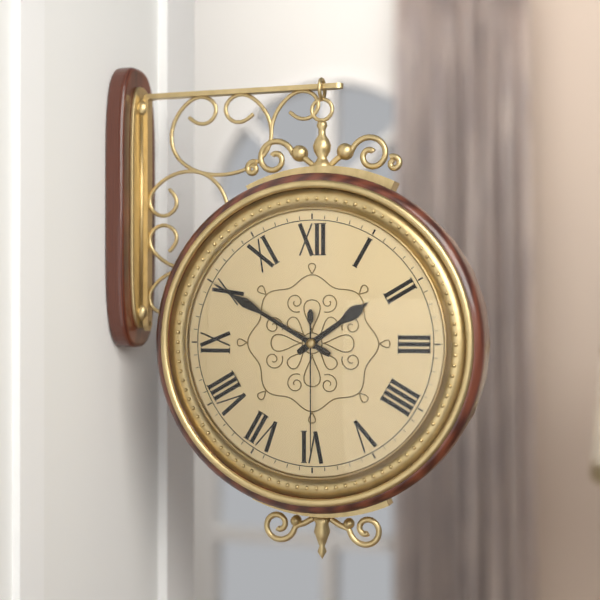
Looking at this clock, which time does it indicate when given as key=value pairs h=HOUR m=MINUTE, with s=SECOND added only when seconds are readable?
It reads h=1 m=50 s=30
